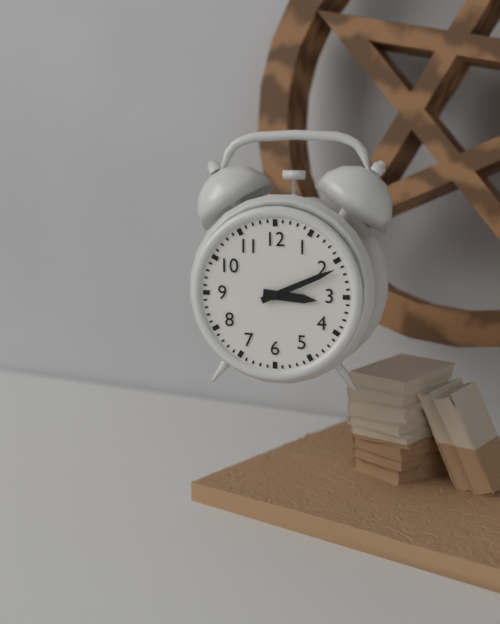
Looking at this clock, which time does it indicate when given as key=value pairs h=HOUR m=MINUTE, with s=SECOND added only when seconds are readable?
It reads h=3 m=11
